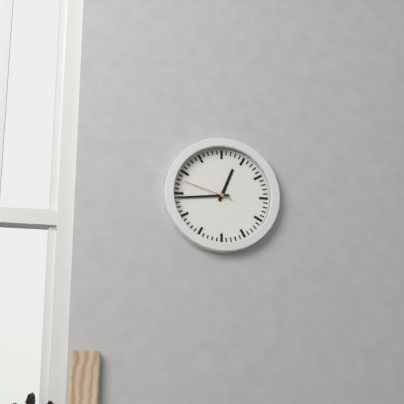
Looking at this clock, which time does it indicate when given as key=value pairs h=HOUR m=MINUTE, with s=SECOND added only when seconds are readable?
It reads h=12 m=44
